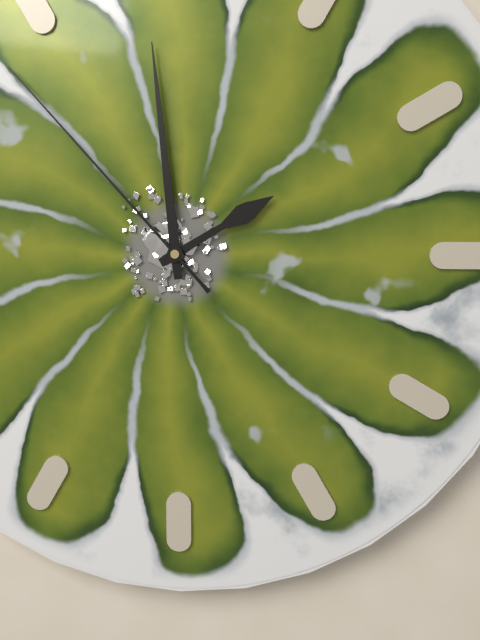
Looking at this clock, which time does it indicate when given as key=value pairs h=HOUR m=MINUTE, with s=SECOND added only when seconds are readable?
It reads h=1 m=59 s=53
